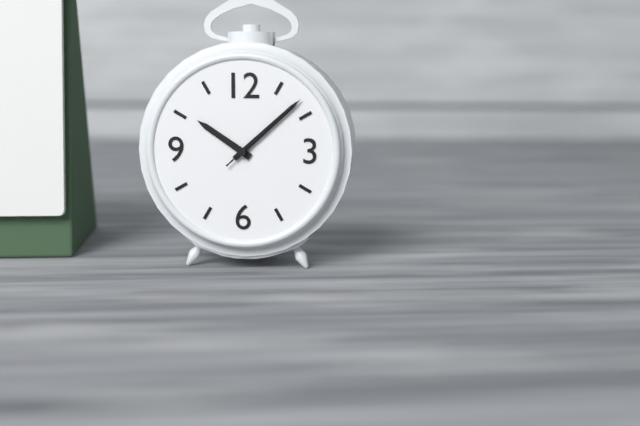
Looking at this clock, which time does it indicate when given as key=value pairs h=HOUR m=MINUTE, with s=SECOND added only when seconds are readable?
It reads h=10 m=8 s=8
